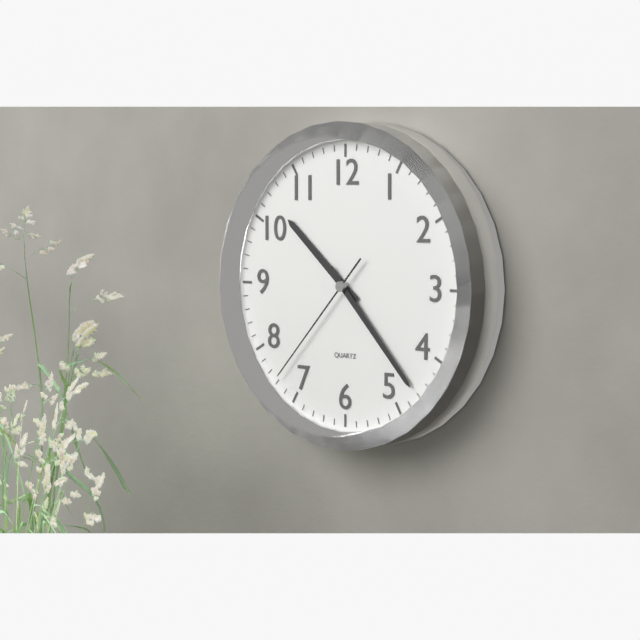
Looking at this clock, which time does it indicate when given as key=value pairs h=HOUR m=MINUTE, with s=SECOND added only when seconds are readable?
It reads h=10 m=23 s=37
